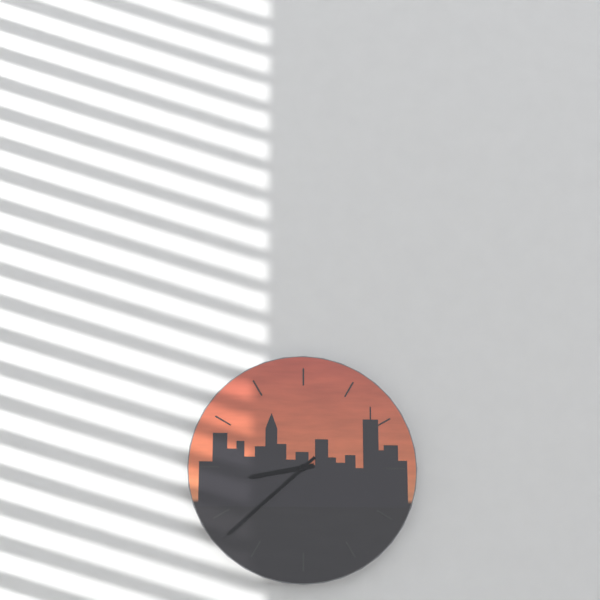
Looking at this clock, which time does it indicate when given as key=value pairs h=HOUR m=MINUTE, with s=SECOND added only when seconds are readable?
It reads h=8 m=38
